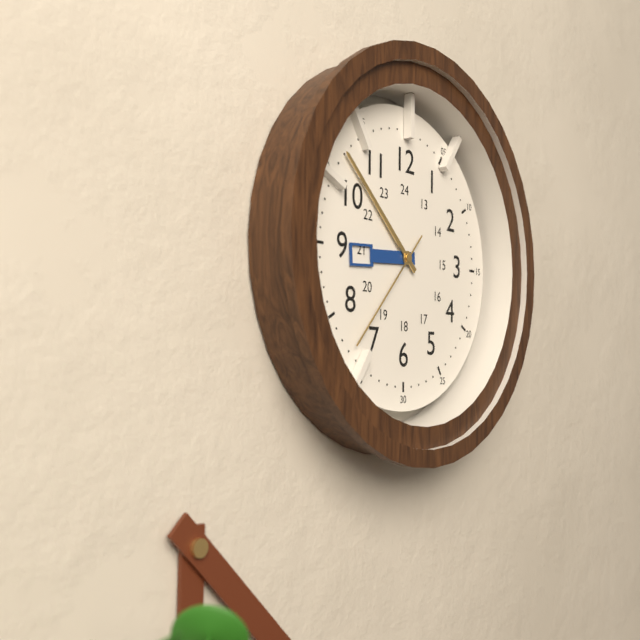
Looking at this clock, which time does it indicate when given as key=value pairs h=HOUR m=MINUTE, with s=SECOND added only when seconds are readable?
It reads h=8 m=52 s=37
